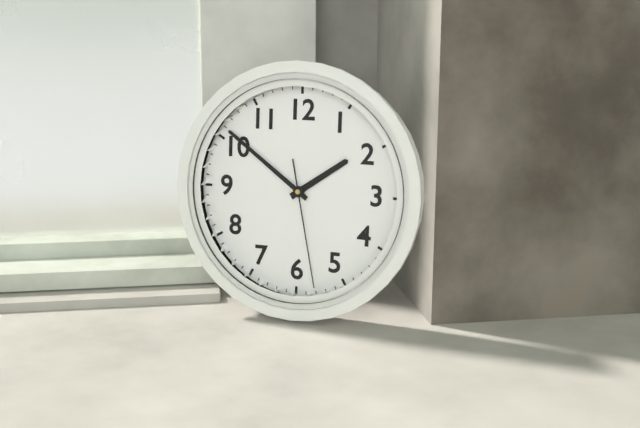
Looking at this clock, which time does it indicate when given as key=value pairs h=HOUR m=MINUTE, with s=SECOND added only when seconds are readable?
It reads h=1 m=51 s=28
